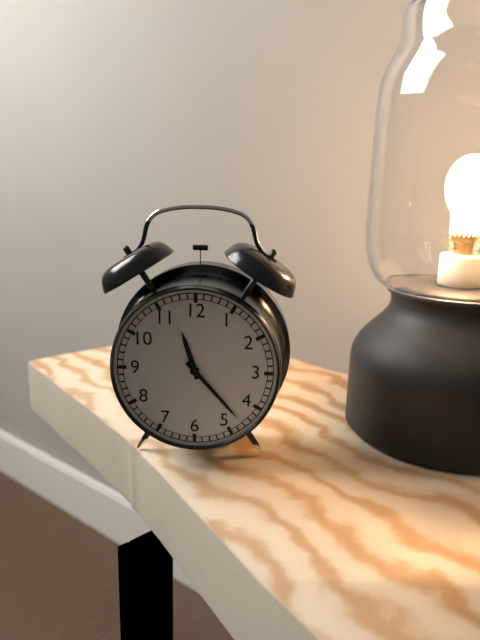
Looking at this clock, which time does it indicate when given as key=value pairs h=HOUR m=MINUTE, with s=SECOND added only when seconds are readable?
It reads h=11 m=23
